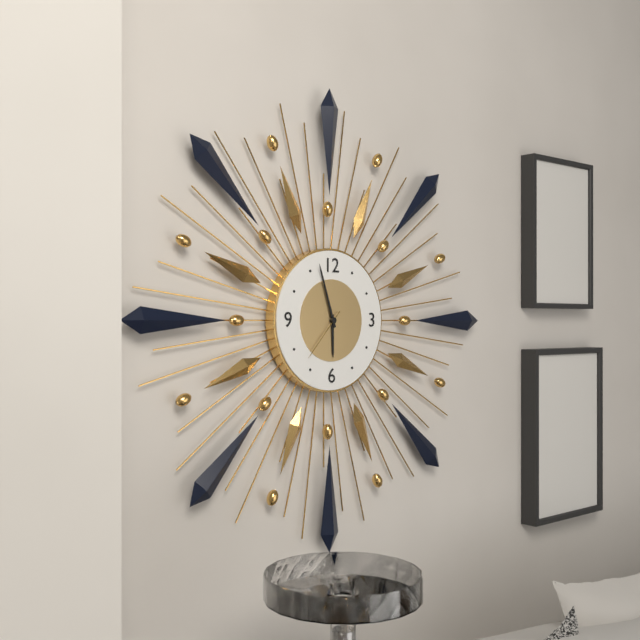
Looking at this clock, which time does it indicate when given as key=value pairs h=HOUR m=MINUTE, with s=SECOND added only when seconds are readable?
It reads h=5 m=57 s=37
